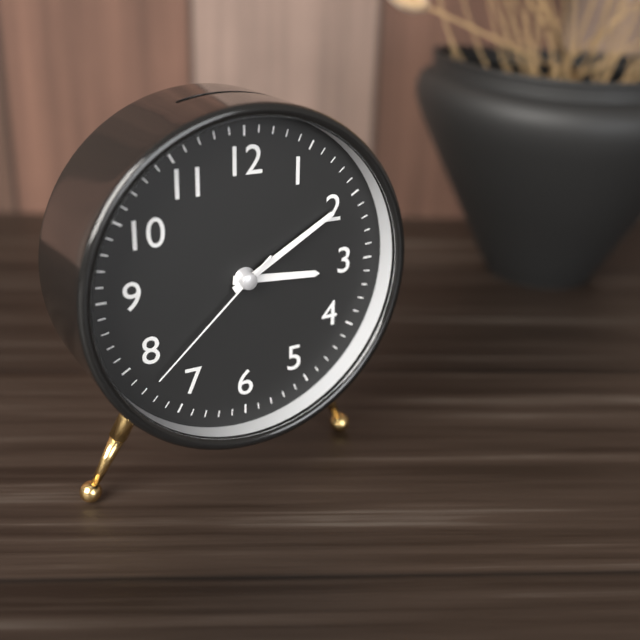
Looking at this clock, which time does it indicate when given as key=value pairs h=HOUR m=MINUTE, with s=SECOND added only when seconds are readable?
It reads h=3 m=10 s=38
